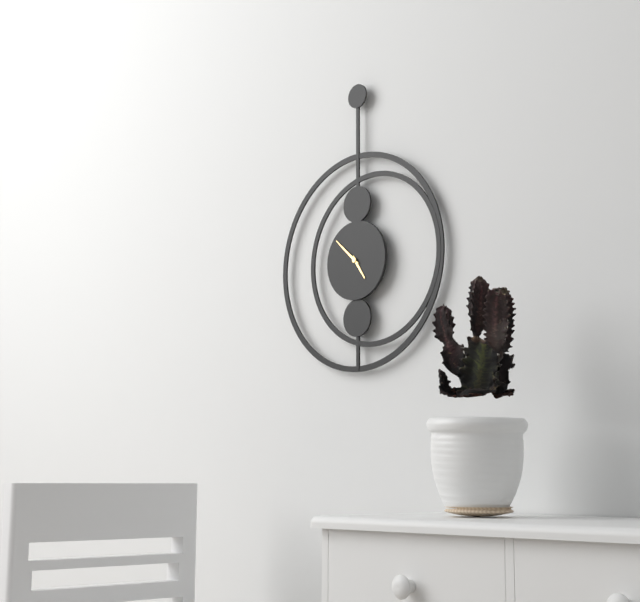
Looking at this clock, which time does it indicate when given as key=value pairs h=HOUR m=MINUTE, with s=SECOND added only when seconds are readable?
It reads h=4 m=52
